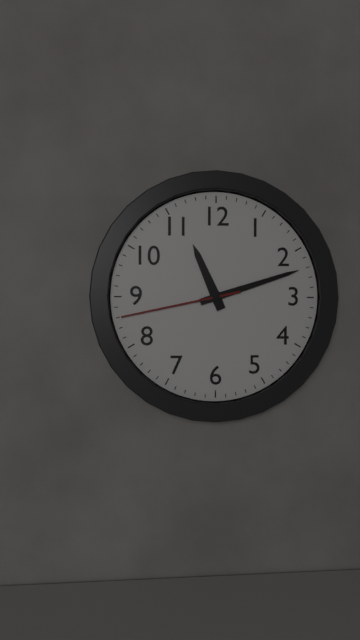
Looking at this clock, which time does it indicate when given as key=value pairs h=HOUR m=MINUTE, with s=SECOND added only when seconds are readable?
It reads h=11 m=12 s=43
